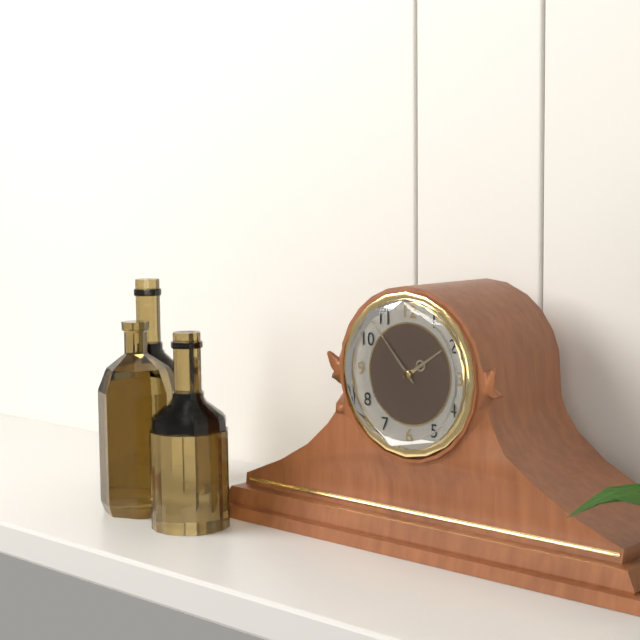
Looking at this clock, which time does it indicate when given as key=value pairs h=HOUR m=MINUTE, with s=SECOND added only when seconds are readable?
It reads h=1 m=53
